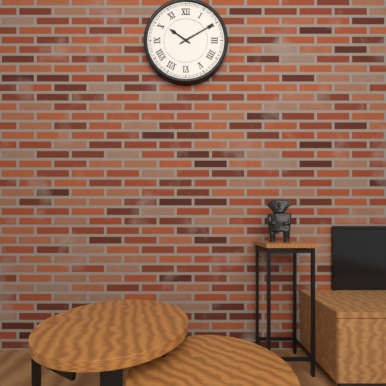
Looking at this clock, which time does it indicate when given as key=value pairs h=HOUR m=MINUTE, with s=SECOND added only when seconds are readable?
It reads h=10 m=10
